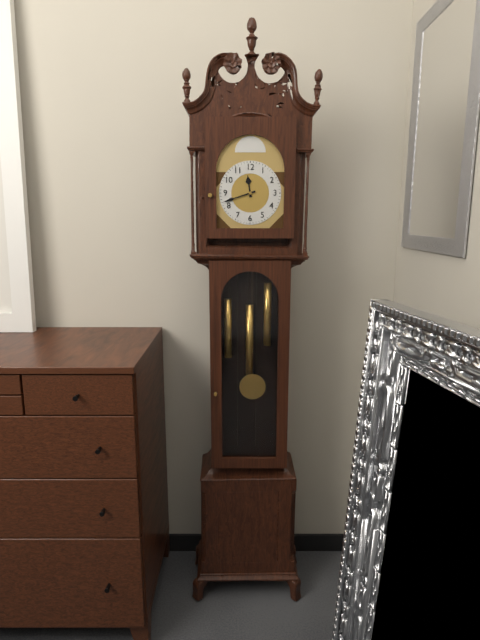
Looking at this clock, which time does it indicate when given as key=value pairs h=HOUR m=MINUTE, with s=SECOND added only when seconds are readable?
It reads h=11 m=42
